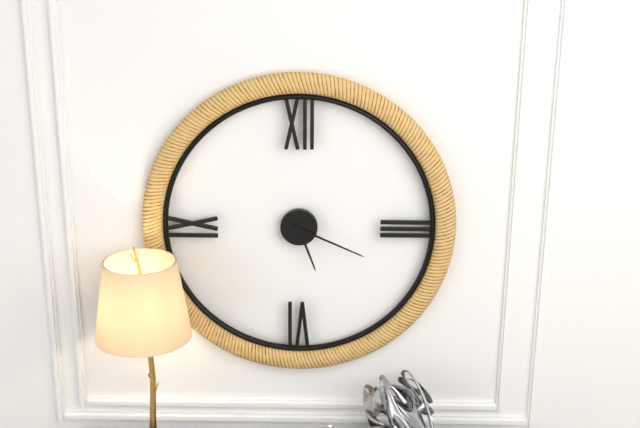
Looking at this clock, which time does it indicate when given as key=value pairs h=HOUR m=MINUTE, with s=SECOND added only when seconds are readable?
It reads h=5 m=19
